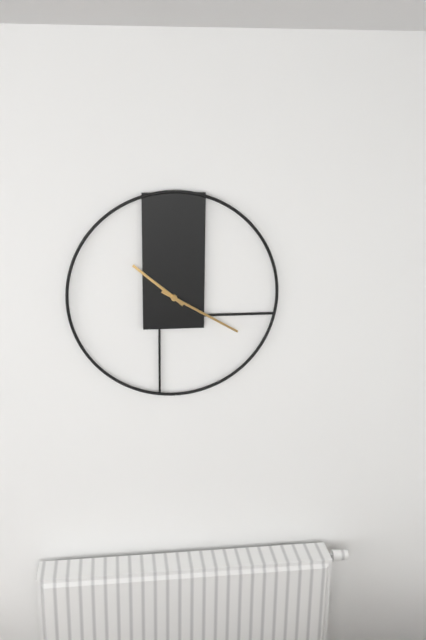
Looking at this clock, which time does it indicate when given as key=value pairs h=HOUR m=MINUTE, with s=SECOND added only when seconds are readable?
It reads h=10 m=20
